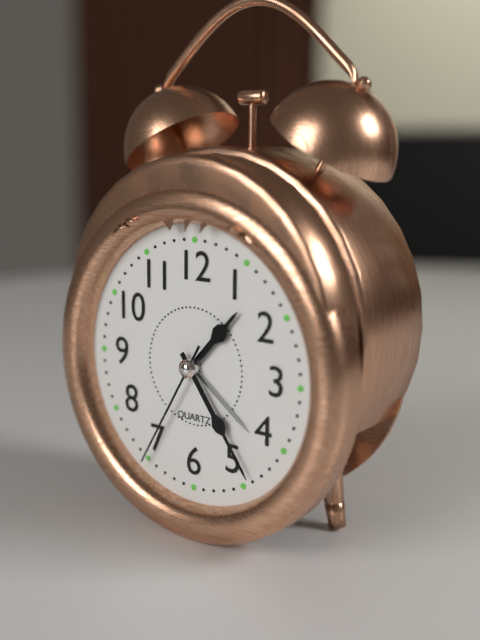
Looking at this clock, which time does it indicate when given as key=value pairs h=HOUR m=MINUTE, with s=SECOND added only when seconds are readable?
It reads h=1 m=24 s=35
